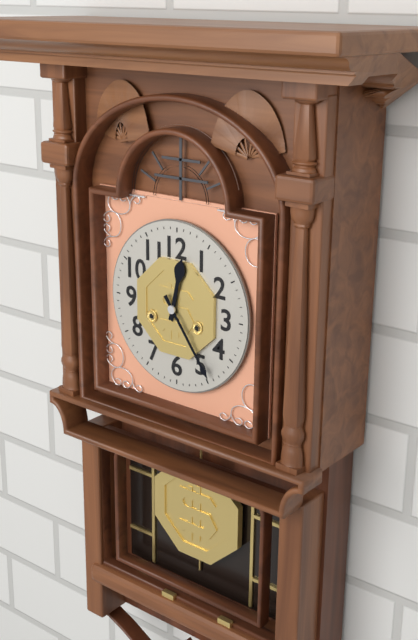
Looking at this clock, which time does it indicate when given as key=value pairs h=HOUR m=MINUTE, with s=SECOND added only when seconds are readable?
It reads h=12 m=24
